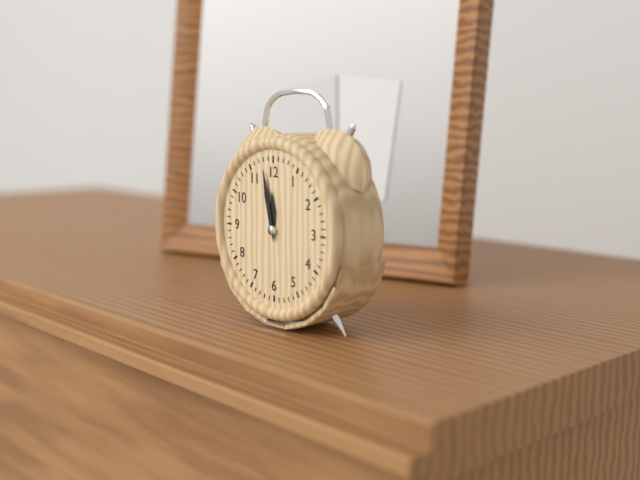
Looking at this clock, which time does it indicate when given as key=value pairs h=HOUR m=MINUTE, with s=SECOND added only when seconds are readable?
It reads h=11 m=58
